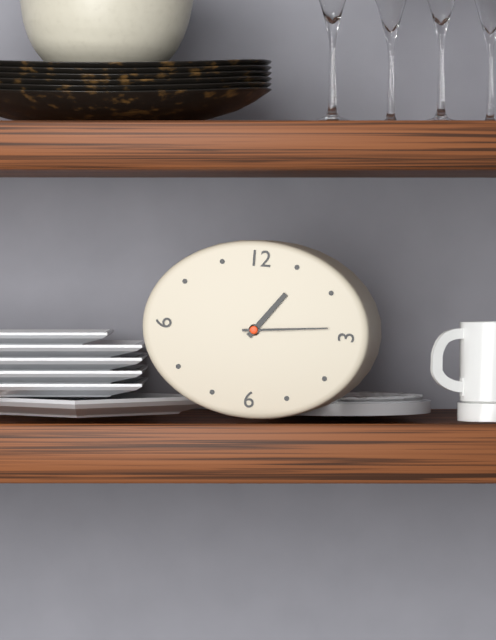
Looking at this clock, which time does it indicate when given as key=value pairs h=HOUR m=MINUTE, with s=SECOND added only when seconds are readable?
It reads h=1 m=14
